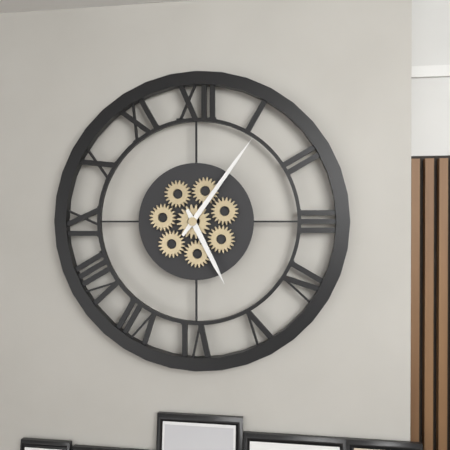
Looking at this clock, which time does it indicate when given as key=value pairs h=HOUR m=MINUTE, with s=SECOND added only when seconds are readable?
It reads h=5 m=6
